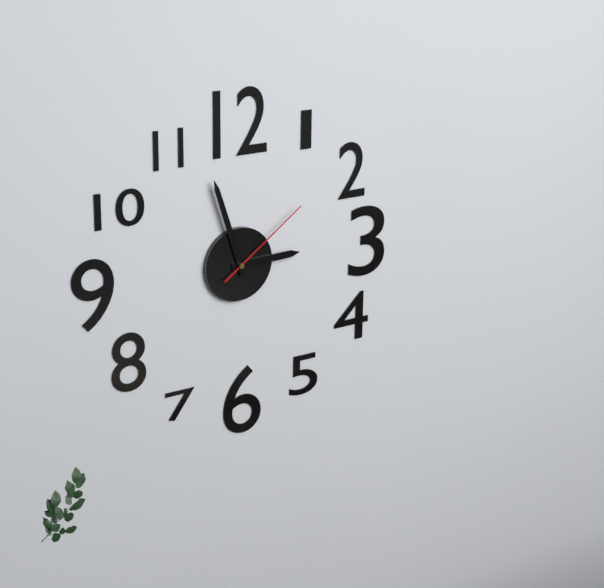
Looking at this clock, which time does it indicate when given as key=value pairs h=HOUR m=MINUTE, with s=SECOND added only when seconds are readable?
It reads h=2 m=57 s=9
